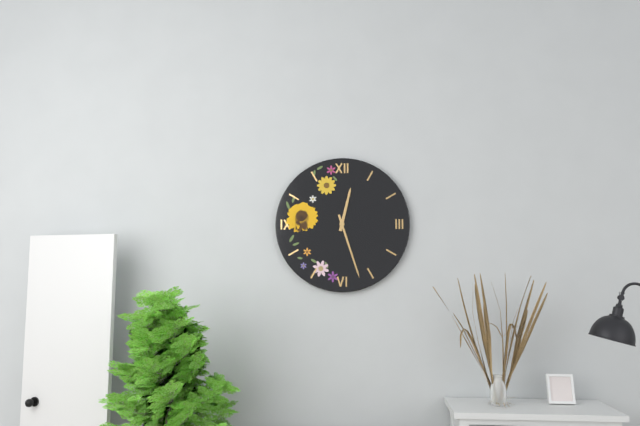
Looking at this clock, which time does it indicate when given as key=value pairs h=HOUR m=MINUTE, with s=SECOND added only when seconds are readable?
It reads h=12 m=27
